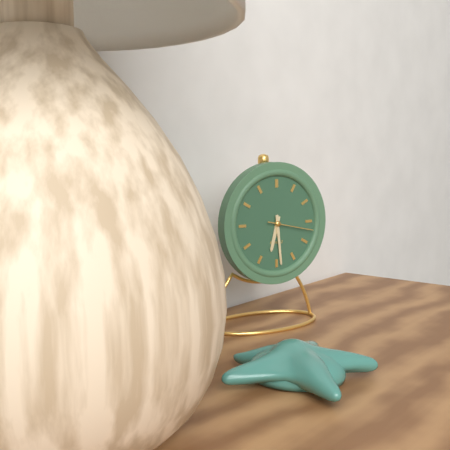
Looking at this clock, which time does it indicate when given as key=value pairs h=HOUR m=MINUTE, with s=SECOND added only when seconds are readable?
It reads h=6 m=29 s=17
